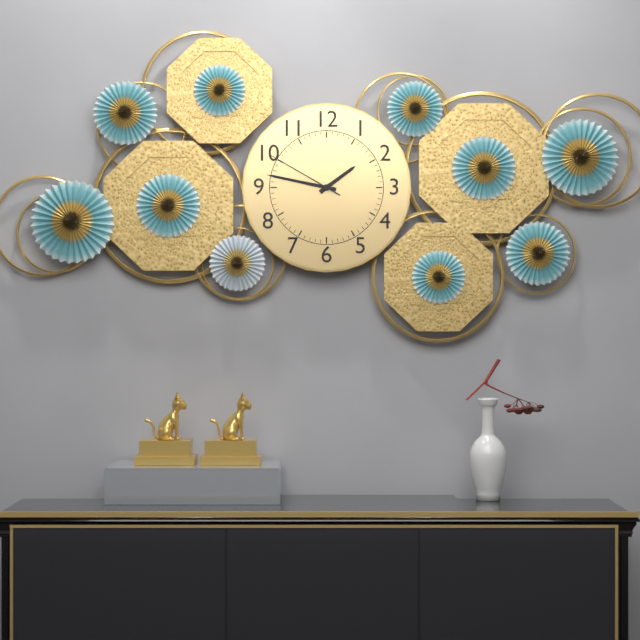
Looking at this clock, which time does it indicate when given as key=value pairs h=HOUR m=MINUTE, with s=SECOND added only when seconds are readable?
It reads h=1 m=47 s=50
